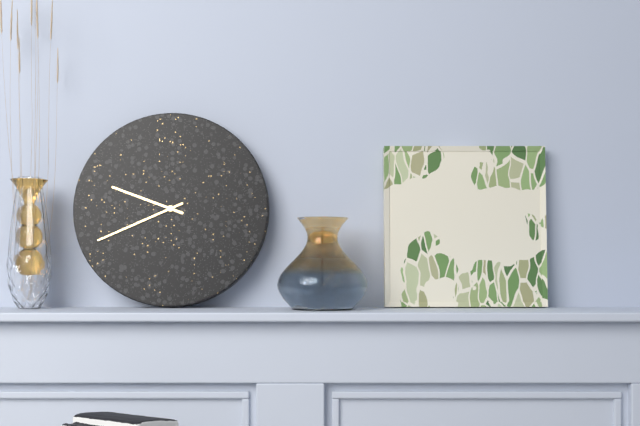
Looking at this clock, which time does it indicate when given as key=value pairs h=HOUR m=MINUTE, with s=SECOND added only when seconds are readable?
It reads h=9 m=41
